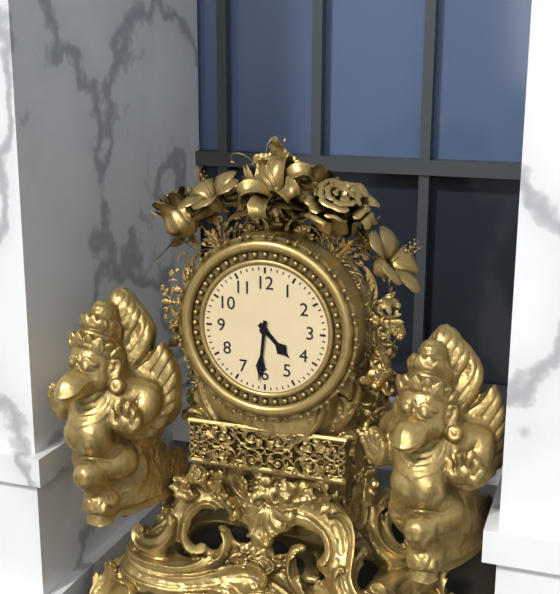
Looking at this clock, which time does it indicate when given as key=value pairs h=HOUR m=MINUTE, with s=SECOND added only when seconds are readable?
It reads h=4 m=31
